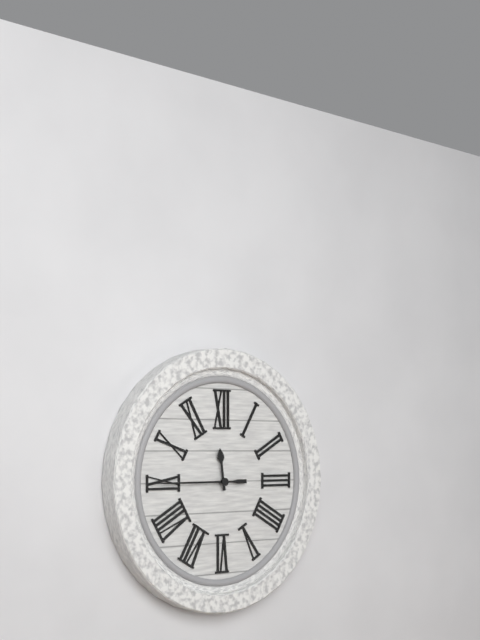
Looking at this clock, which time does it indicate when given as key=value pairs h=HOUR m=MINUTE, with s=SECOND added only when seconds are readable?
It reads h=11 m=45
